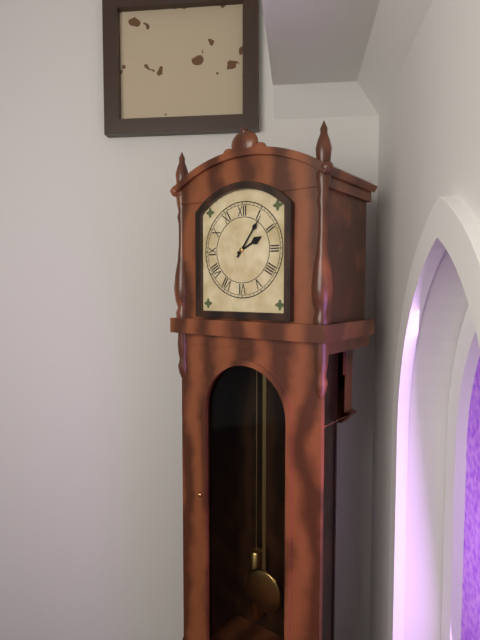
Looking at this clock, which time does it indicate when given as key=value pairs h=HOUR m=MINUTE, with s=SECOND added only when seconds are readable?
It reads h=2 m=6
